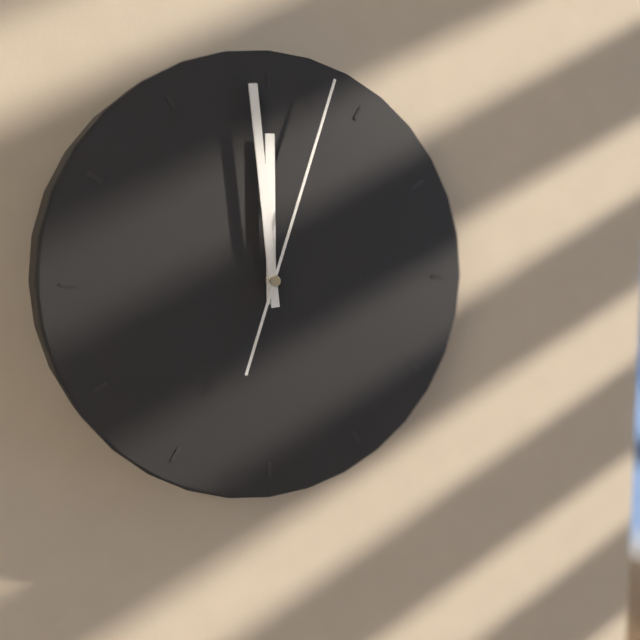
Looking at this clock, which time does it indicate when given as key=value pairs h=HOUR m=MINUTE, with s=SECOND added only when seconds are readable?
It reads h=11 m=59 s=3
